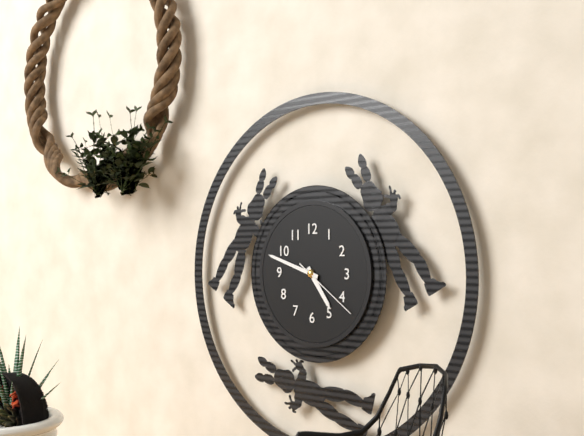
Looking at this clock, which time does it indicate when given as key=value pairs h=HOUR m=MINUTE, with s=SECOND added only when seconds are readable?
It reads h=4 m=48 s=21
